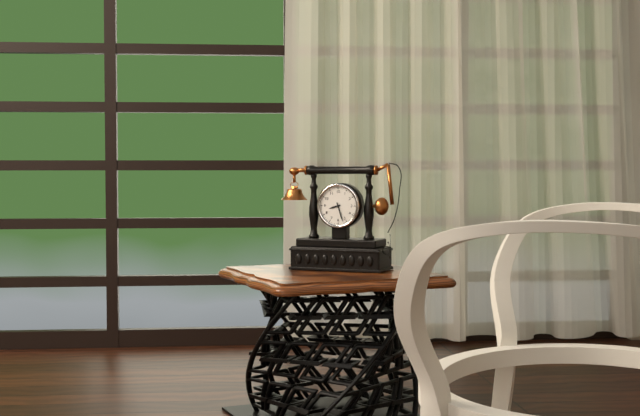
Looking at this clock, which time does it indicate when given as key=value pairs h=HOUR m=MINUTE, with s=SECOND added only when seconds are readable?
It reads h=8 m=27
